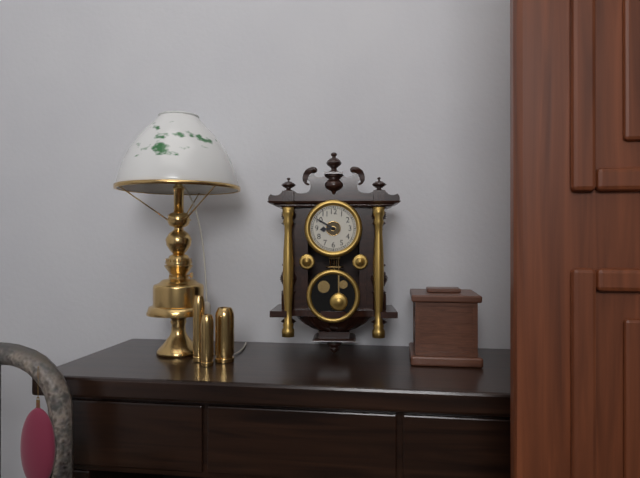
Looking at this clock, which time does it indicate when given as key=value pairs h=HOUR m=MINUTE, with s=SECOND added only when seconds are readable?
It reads h=8 m=50
